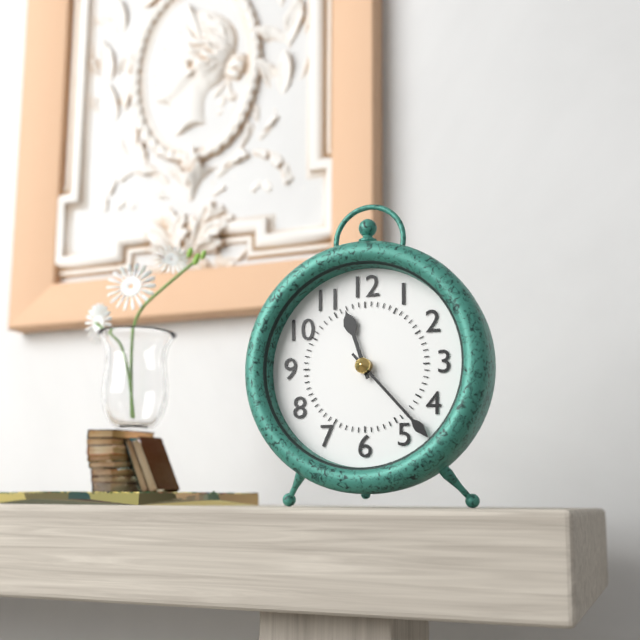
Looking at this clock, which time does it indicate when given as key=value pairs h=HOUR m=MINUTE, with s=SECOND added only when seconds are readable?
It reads h=11 m=23
